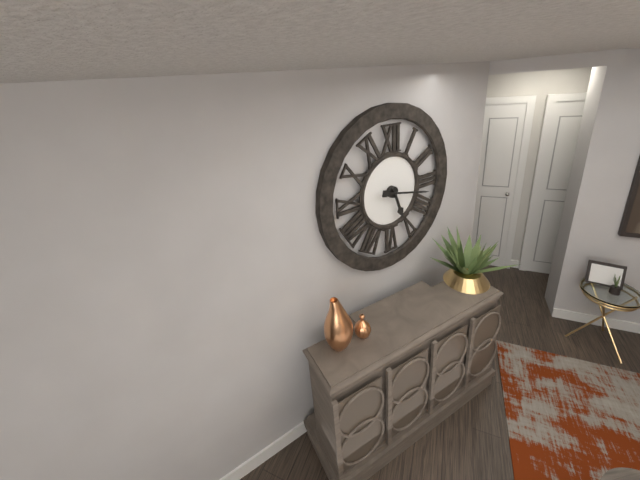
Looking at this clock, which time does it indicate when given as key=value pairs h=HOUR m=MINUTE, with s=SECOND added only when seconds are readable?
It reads h=5 m=17
